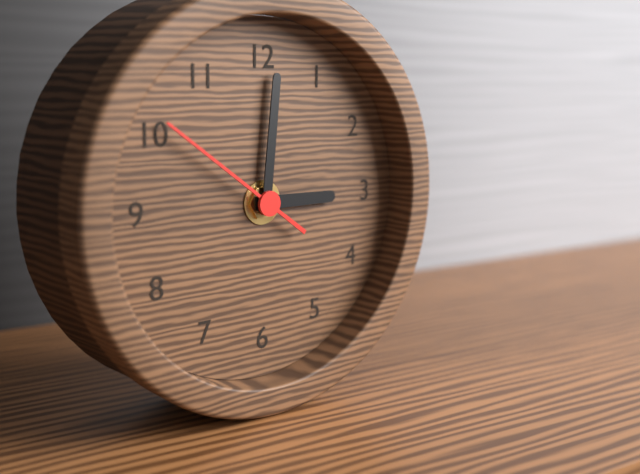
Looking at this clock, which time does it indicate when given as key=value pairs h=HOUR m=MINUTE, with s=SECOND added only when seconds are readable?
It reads h=3 m=1 s=51
